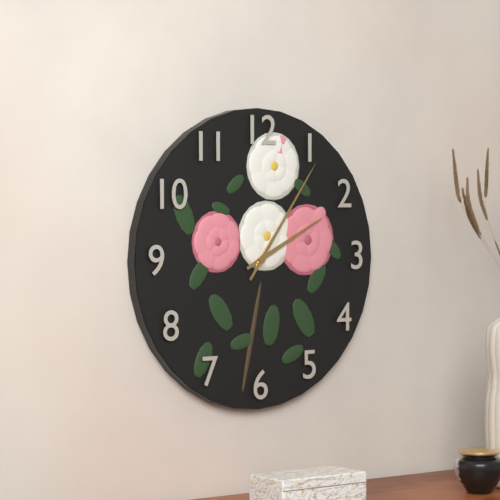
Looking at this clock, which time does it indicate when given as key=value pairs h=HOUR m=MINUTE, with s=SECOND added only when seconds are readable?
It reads h=2 m=6
